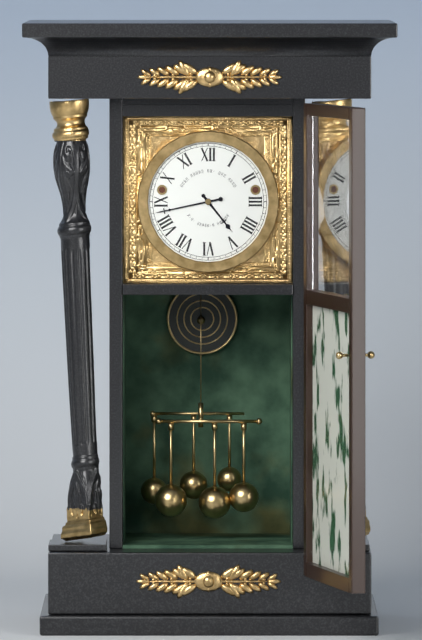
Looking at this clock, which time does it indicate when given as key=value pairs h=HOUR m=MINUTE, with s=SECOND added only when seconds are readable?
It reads h=4 m=43
